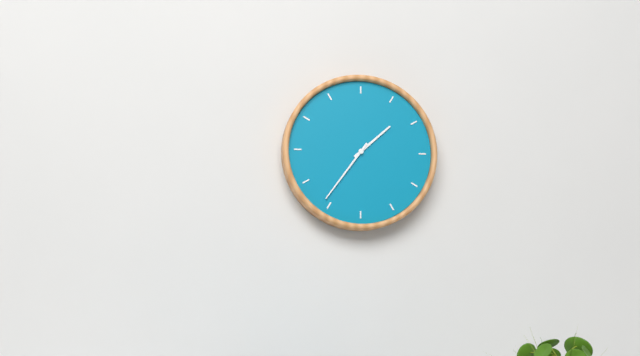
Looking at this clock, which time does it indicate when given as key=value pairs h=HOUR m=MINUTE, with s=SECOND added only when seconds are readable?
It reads h=1 m=36
